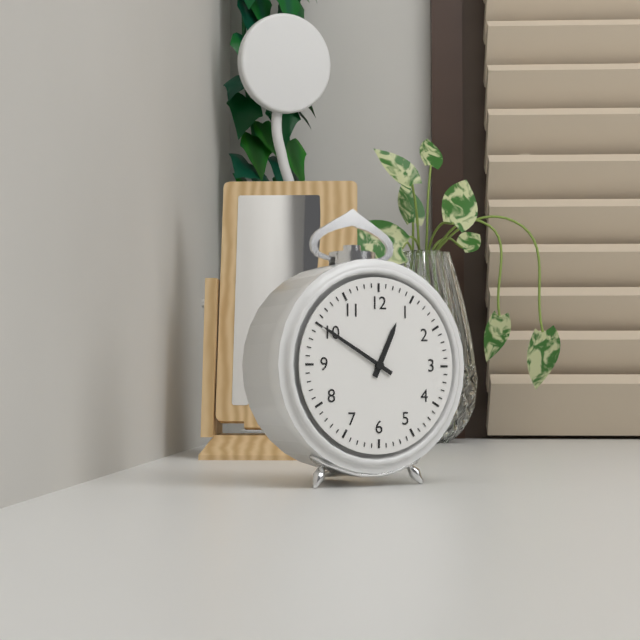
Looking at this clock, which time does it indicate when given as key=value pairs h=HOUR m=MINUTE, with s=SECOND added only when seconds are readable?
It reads h=12 m=50
